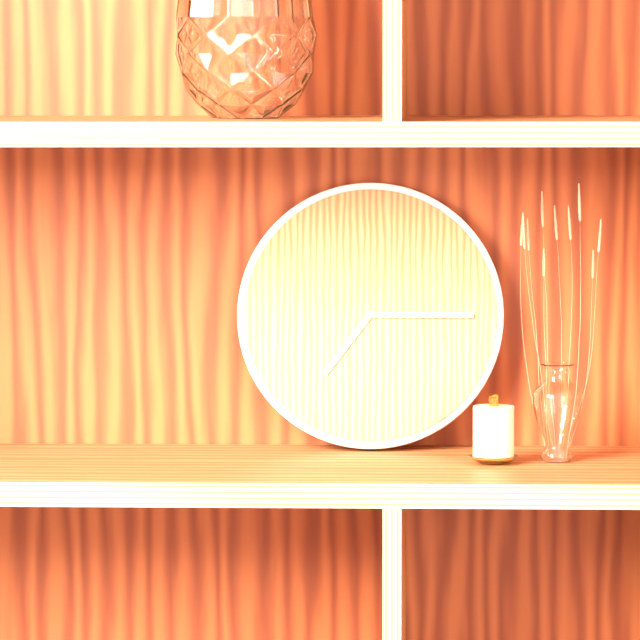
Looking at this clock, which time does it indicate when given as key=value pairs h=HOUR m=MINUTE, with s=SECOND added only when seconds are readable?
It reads h=7 m=15
